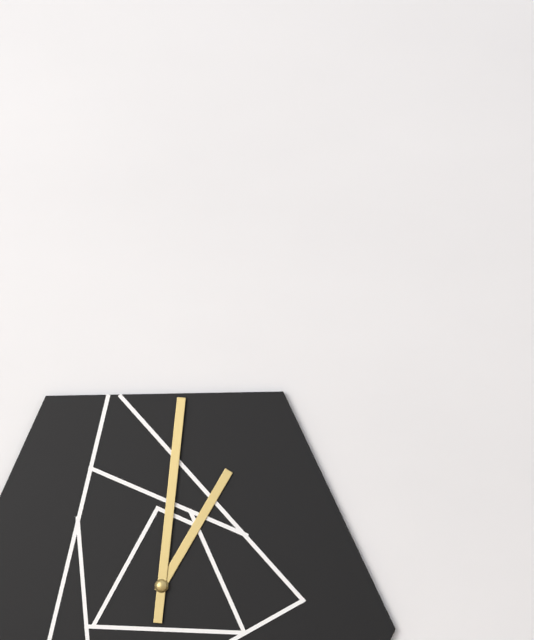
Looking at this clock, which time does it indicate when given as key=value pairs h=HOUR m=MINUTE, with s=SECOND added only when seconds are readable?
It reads h=1 m=1
